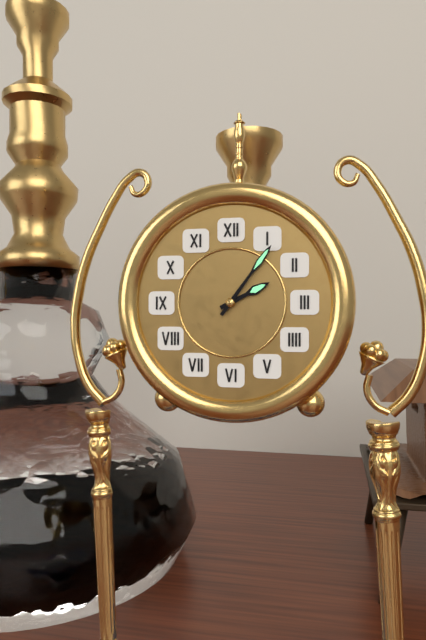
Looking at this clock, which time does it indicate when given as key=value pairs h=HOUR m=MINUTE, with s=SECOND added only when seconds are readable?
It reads h=2 m=6
